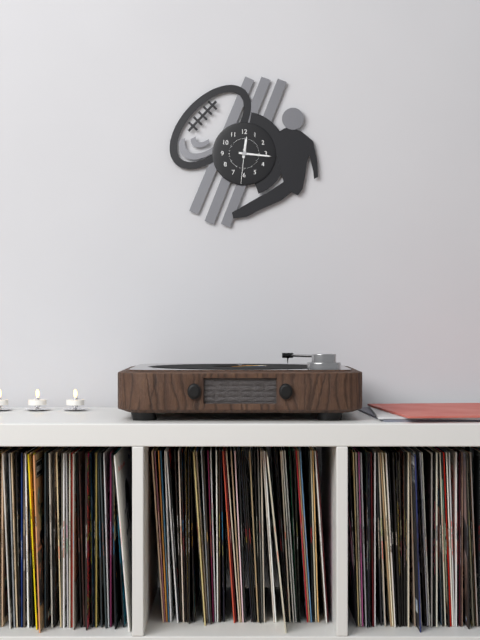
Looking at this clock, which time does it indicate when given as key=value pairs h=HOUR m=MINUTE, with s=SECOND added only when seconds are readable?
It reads h=12 m=16
